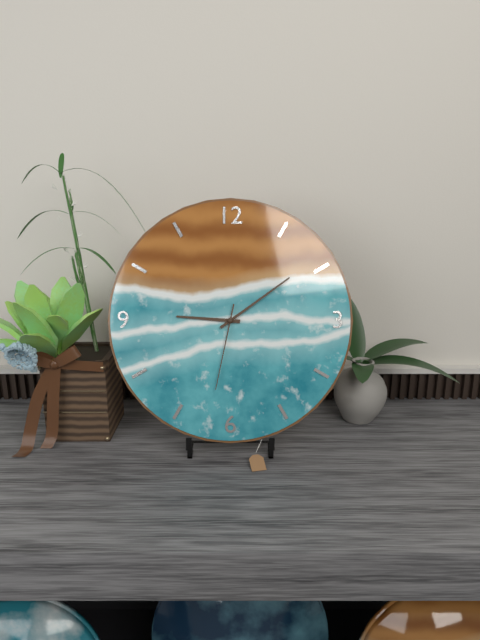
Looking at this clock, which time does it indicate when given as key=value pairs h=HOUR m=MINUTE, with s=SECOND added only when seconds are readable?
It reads h=9 m=9 s=32
